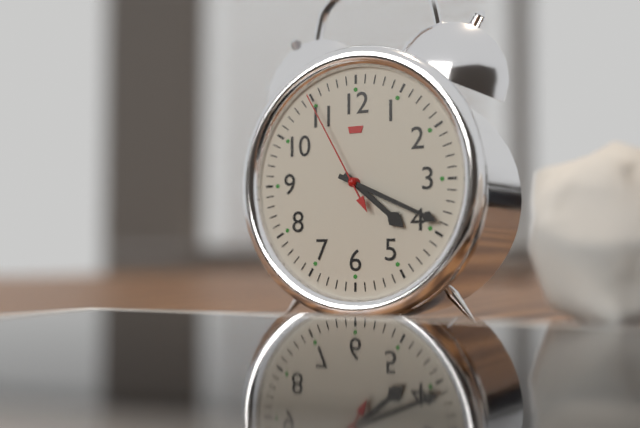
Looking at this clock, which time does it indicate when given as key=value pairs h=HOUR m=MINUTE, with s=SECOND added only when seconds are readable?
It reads h=4 m=19 s=55
